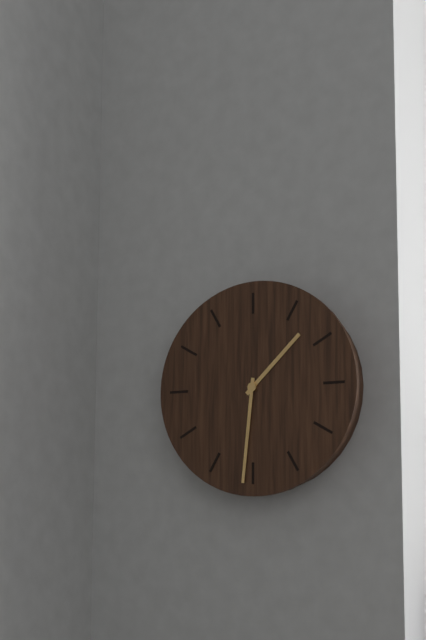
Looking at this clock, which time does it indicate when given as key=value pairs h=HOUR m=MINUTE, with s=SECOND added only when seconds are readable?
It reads h=1 m=31
